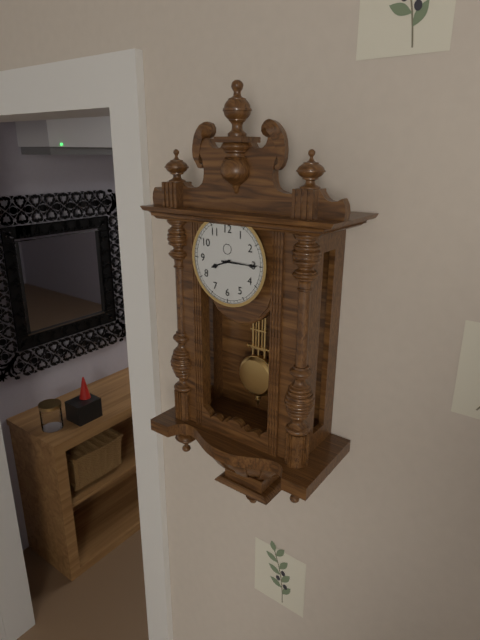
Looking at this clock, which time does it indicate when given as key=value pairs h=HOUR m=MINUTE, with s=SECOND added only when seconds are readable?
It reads h=8 m=15
